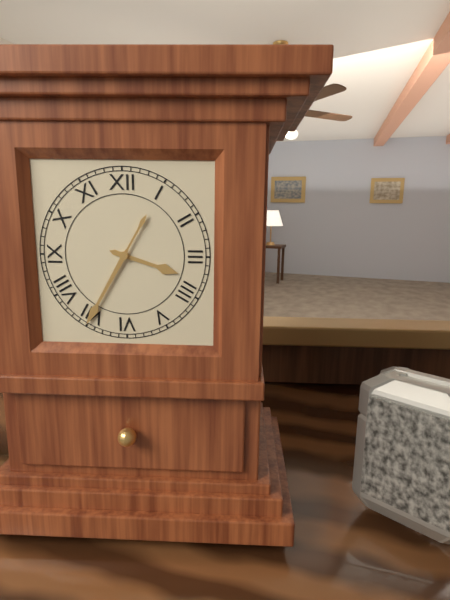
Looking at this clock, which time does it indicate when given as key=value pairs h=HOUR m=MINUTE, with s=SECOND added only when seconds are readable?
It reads h=3 m=35
